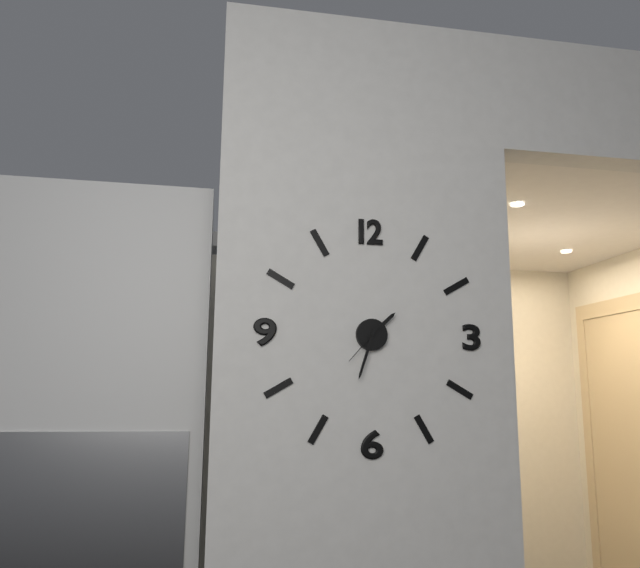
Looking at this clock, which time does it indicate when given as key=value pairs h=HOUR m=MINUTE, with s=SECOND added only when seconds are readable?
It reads h=1 m=33
